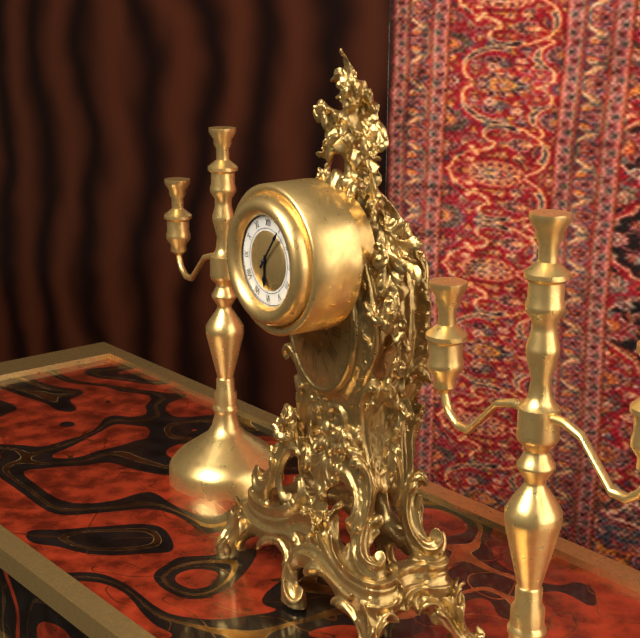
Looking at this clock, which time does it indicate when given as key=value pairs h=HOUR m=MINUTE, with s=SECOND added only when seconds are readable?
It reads h=6 m=6
